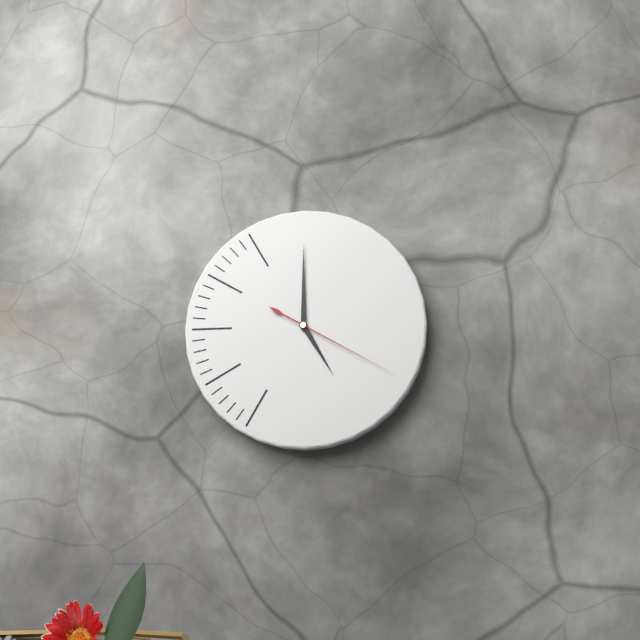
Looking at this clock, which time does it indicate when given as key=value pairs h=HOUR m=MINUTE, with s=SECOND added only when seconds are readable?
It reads h=5 m=0 s=20
